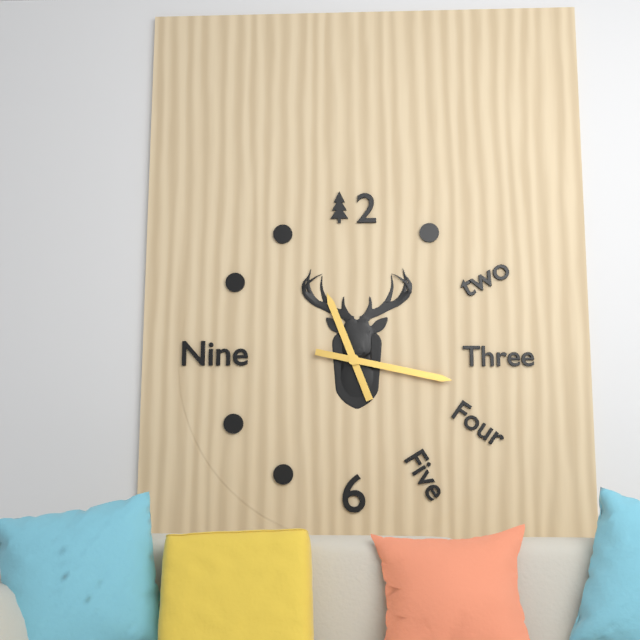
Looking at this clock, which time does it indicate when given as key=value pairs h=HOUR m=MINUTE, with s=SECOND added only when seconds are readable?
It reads h=11 m=17
